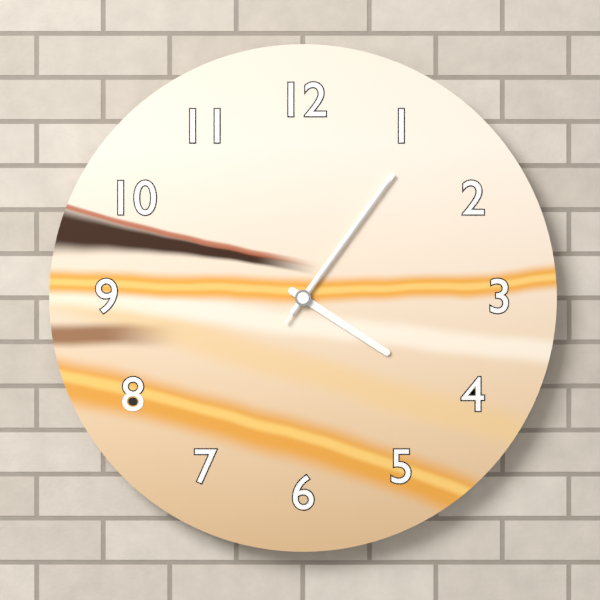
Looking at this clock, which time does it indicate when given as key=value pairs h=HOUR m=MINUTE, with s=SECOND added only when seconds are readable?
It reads h=4 m=6 s=6
